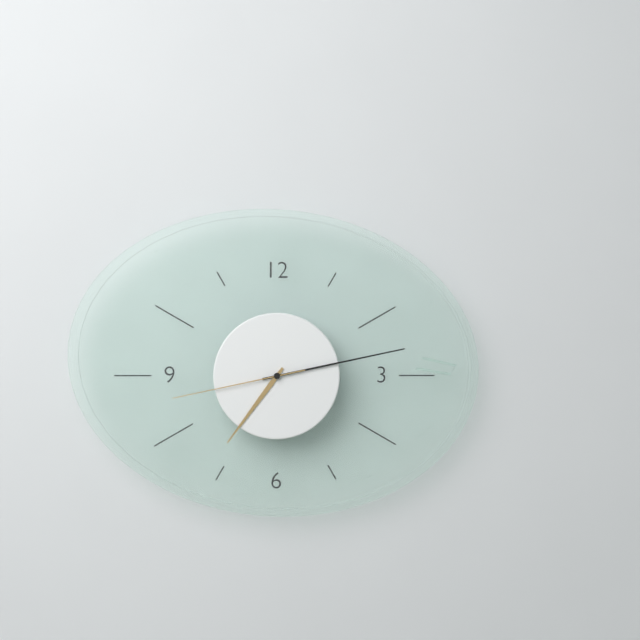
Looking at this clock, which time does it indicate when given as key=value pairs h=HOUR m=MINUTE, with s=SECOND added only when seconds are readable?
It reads h=7 m=13 s=43
